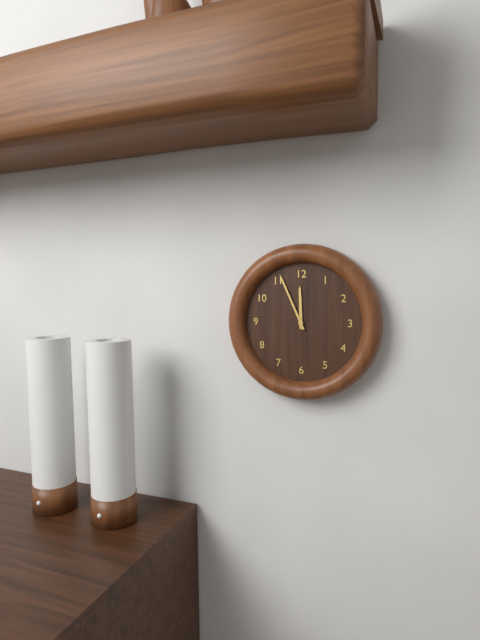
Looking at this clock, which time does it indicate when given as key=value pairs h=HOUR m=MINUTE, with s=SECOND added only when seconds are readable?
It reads h=11 m=56
